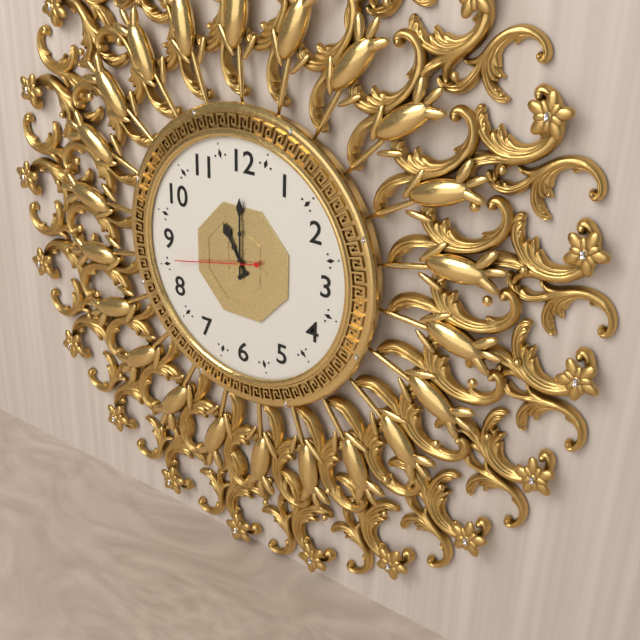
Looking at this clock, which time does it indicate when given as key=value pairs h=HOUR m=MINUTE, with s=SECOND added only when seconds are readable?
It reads h=11 m=0 s=43
